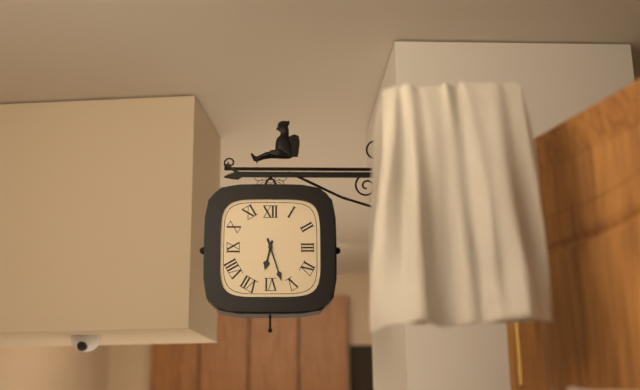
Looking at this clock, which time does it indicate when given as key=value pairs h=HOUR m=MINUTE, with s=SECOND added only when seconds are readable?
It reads h=6 m=27
